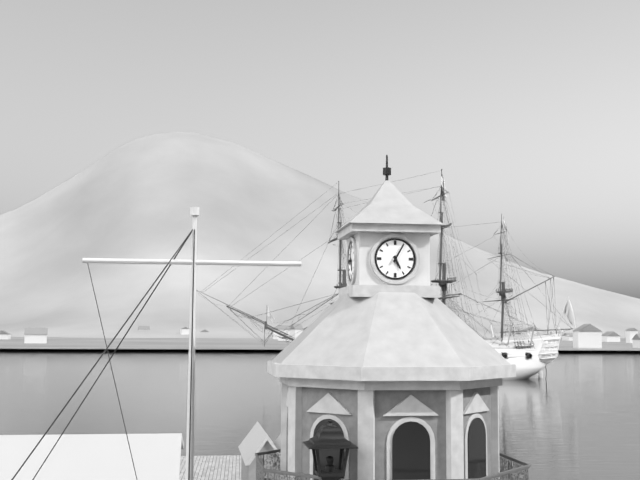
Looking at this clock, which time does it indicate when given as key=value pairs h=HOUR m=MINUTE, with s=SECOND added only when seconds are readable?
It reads h=5 m=5
